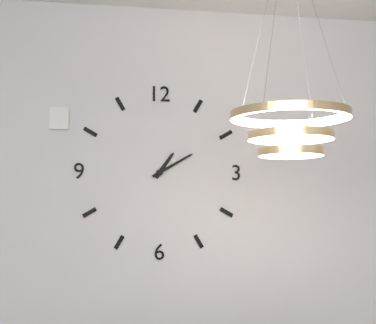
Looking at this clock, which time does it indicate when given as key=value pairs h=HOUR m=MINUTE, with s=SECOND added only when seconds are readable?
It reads h=1 m=10
